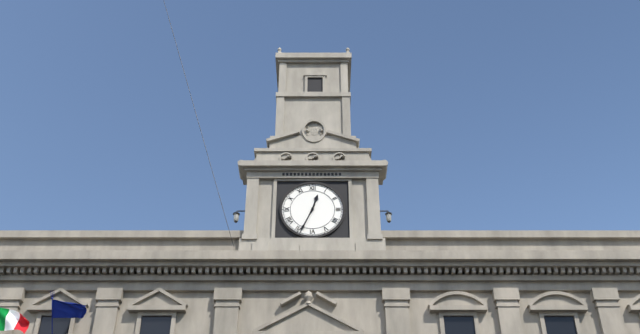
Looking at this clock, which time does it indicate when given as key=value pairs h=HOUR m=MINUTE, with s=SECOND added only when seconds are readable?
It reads h=12 m=34
